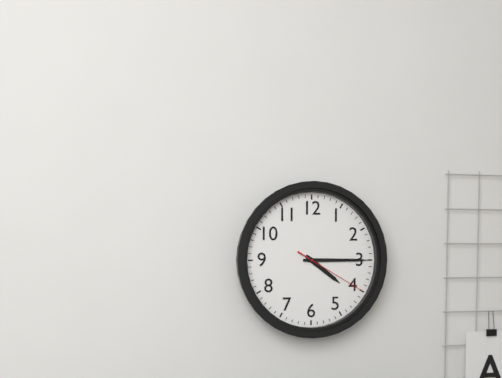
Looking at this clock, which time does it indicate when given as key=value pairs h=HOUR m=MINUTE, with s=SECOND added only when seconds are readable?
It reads h=4 m=15 s=20
